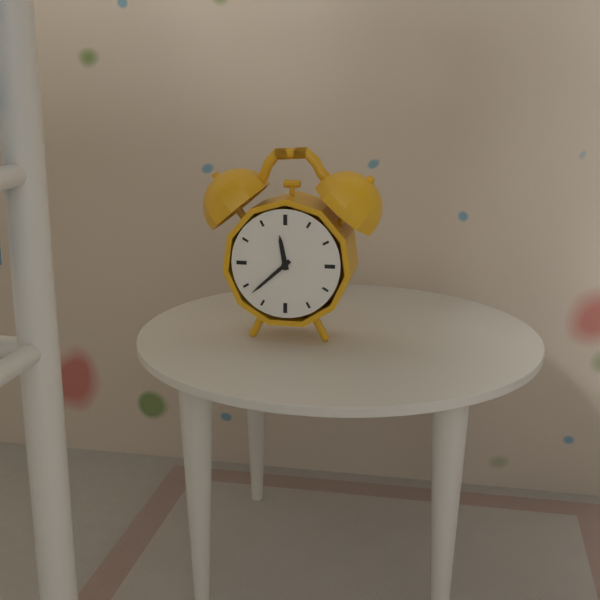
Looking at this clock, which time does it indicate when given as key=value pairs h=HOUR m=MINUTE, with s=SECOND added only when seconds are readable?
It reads h=11 m=38
